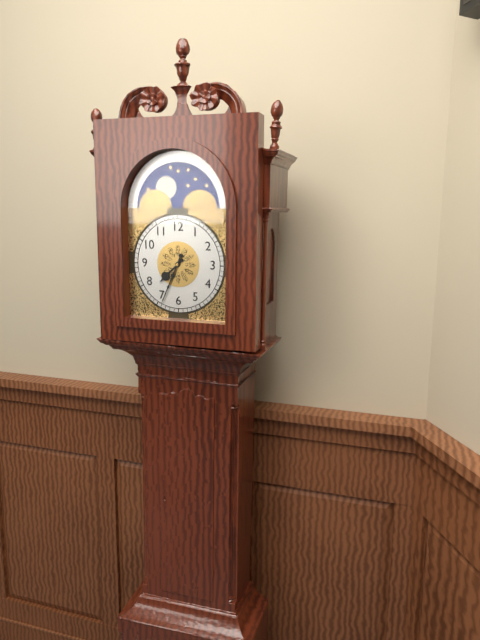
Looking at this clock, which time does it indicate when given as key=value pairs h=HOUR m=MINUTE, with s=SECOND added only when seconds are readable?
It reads h=7 m=34
